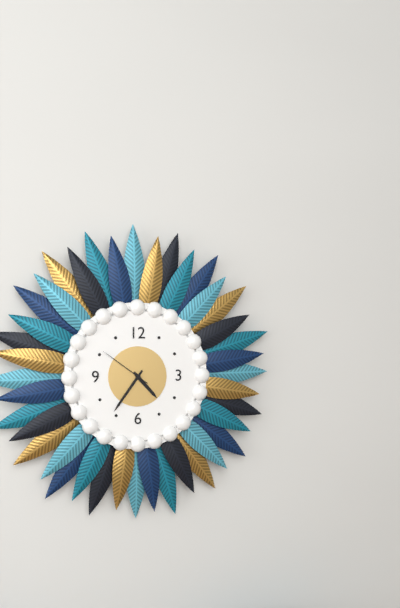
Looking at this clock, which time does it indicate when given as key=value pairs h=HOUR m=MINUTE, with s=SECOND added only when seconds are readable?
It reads h=4 m=36 s=51
